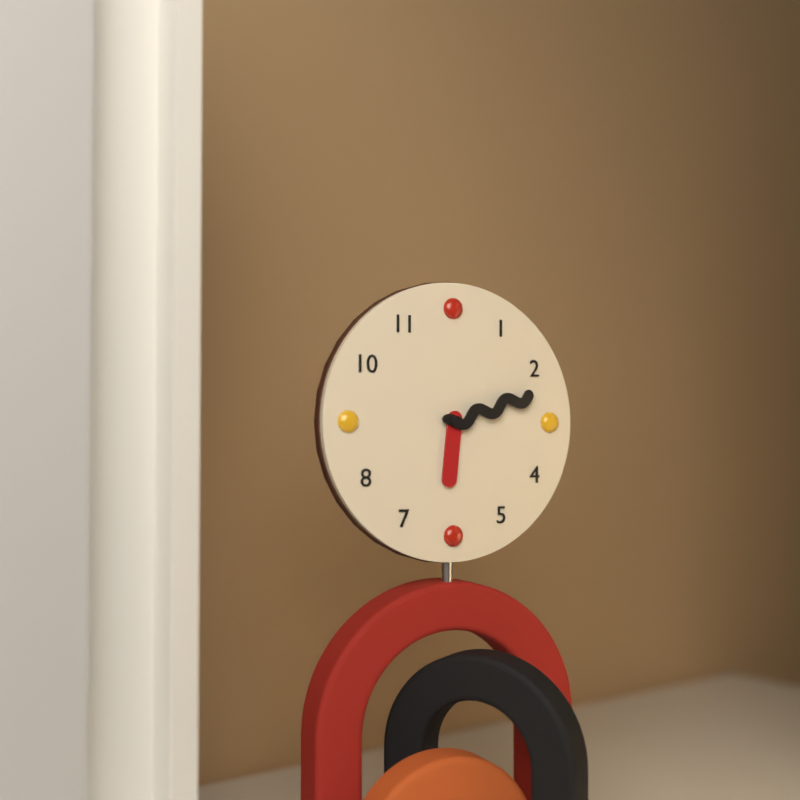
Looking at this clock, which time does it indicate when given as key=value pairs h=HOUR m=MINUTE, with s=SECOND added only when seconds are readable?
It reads h=6 m=12
